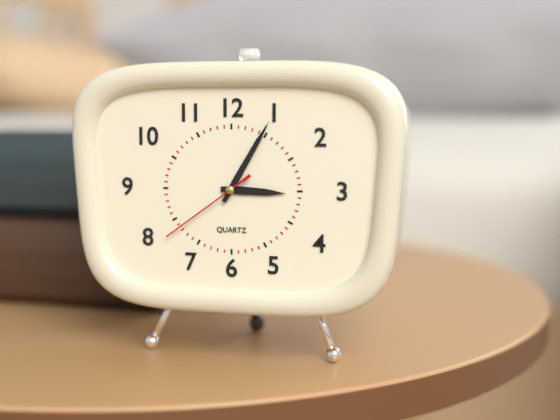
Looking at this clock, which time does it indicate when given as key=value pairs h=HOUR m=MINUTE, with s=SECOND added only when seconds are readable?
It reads h=3 m=5 s=39
